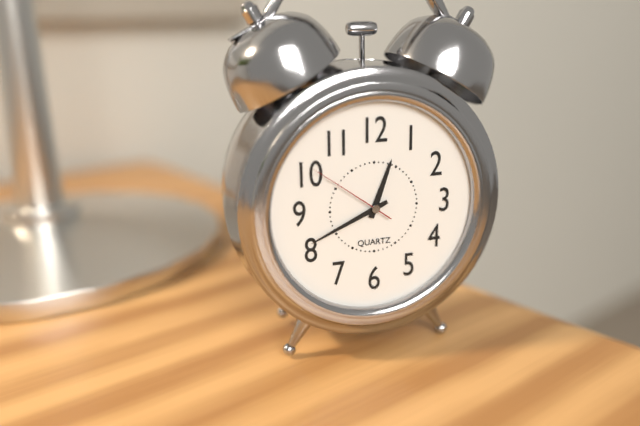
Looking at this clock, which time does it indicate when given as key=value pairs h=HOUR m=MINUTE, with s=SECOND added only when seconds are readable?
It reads h=12 m=41 s=51
